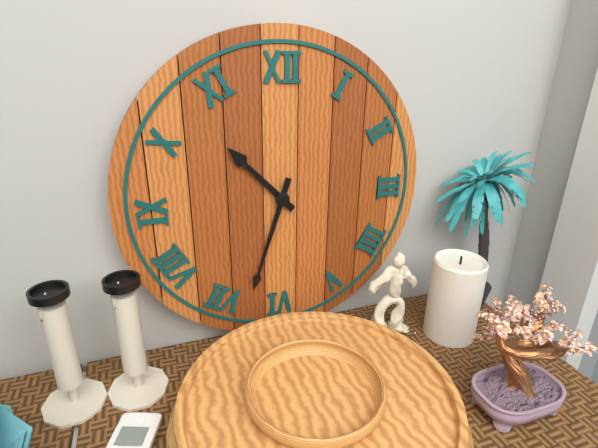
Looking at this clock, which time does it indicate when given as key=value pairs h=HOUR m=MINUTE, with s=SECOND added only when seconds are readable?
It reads h=10 m=33
